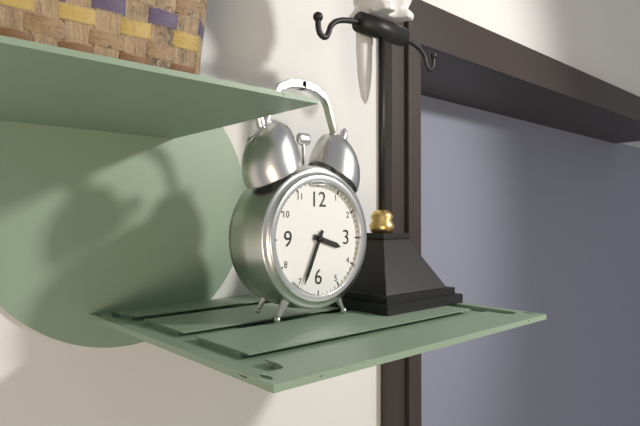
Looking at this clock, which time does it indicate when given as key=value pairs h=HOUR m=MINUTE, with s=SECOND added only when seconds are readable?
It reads h=3 m=34
